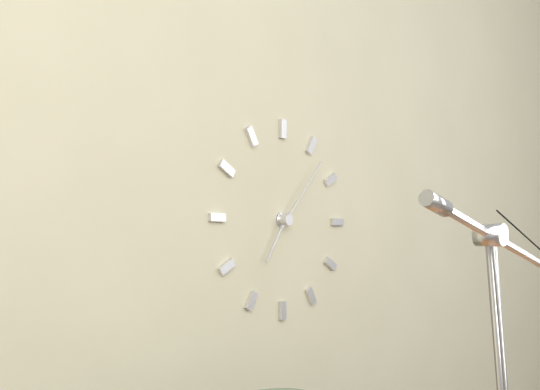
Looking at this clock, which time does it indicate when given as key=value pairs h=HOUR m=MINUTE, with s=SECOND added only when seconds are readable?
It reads h=7 m=7
